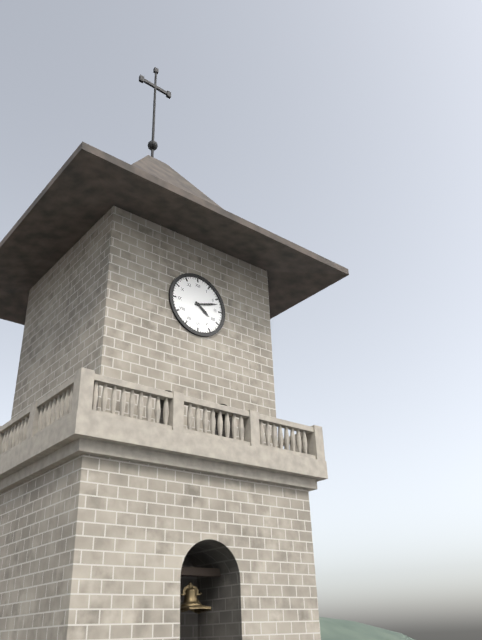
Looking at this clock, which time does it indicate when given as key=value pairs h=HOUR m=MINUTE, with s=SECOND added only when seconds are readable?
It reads h=4 m=12
